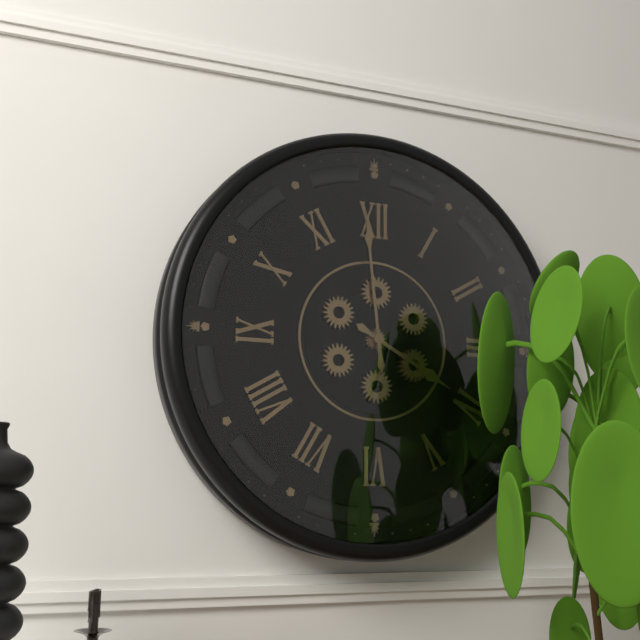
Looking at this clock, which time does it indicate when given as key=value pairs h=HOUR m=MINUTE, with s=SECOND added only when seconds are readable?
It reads h=3 m=59
